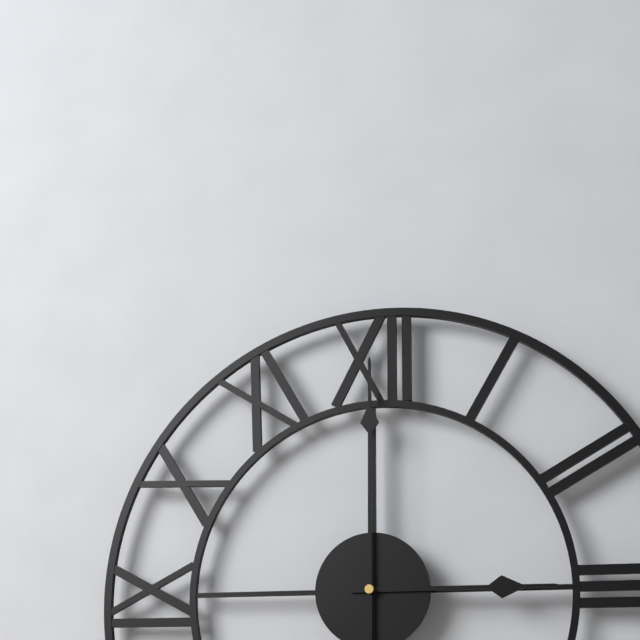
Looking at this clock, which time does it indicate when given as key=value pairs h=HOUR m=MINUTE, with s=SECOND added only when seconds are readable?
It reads h=3 m=0
